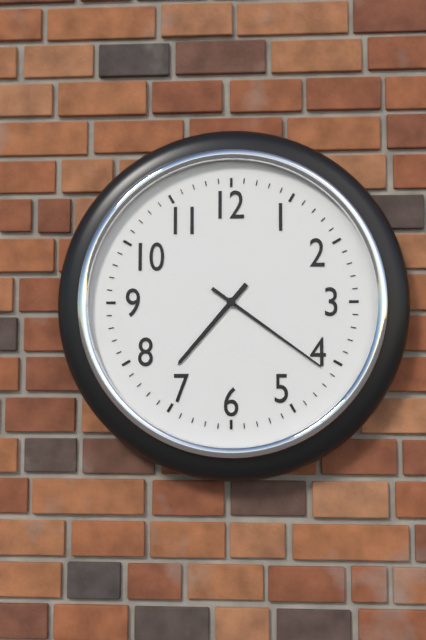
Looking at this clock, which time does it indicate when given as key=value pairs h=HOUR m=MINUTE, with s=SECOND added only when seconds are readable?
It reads h=7 m=21
